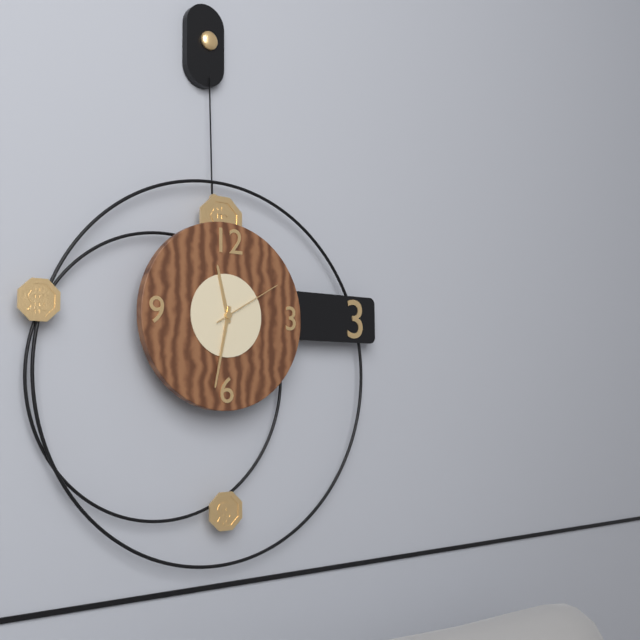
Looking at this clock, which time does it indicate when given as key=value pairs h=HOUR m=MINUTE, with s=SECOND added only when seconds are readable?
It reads h=11 m=32 s=10
